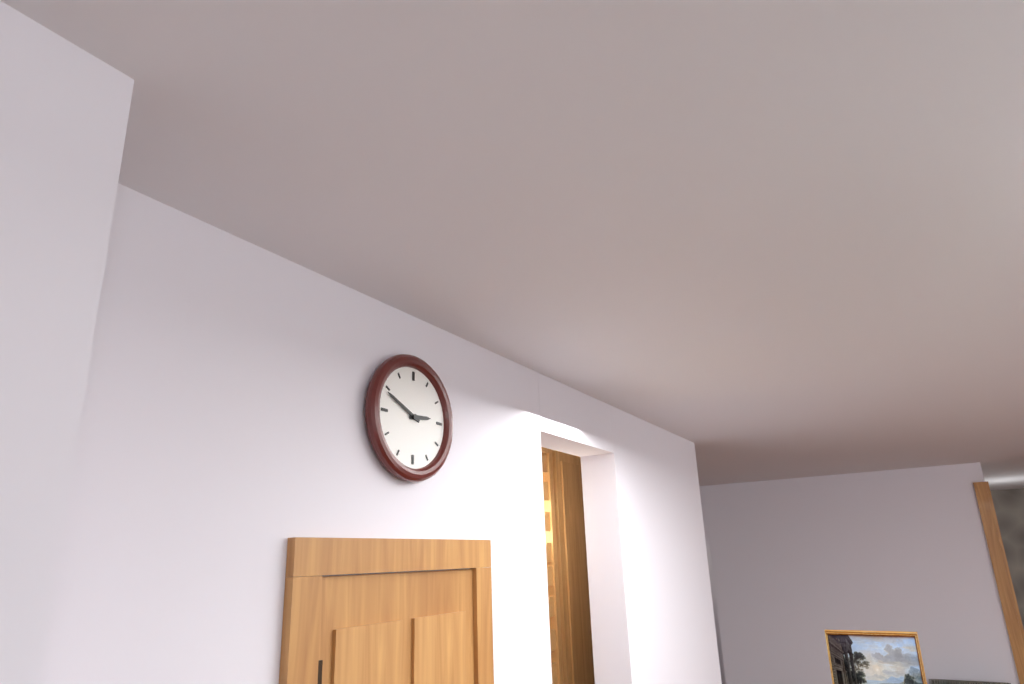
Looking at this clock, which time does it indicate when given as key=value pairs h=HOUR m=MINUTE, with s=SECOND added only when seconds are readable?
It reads h=2 m=49
